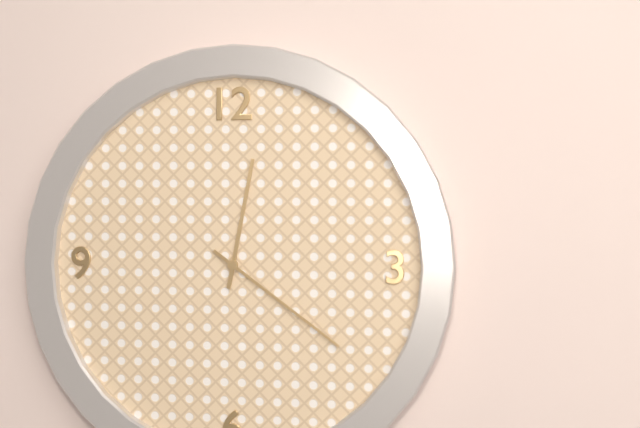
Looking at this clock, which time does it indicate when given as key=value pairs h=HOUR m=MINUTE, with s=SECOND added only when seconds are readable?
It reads h=12 m=21
